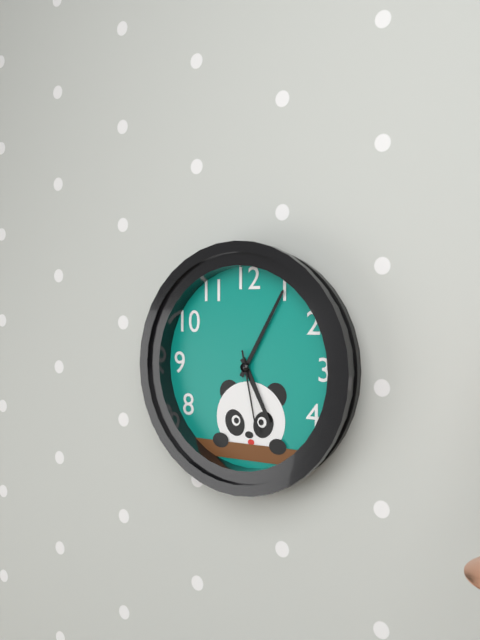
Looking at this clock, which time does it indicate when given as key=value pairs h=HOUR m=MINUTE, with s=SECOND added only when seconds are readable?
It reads h=5 m=5 s=28
